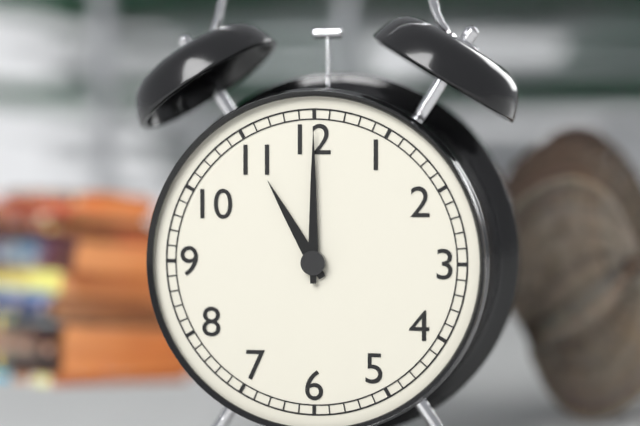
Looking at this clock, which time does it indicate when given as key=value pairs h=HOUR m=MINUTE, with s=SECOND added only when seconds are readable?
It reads h=11 m=0
